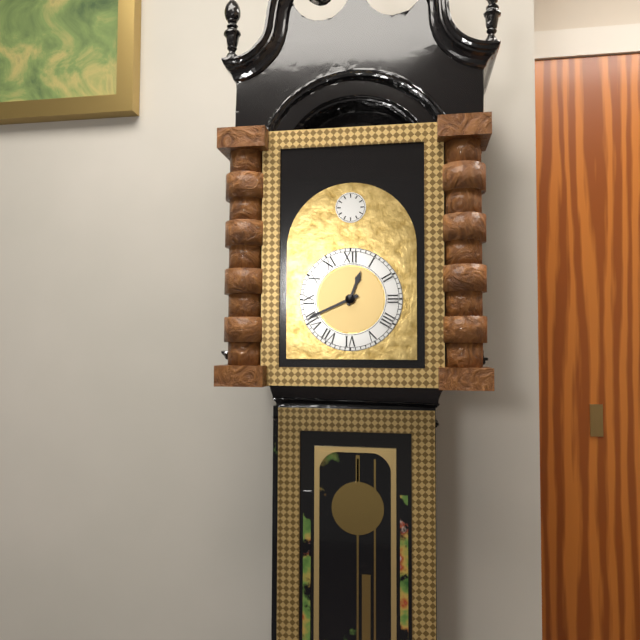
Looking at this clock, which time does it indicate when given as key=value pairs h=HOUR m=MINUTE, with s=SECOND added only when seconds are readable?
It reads h=12 m=41
